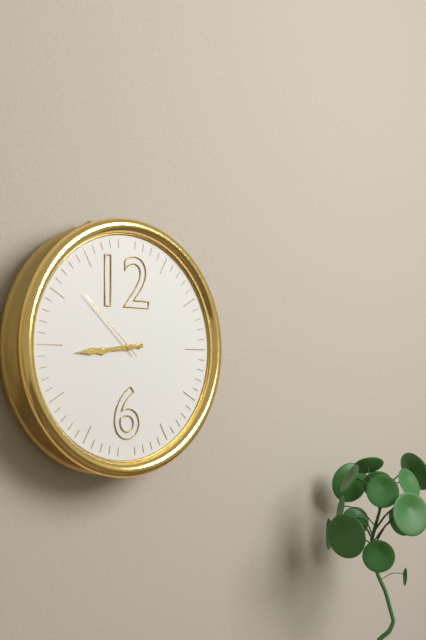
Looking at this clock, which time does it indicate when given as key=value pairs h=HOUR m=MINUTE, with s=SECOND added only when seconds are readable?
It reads h=8 m=44 s=52
